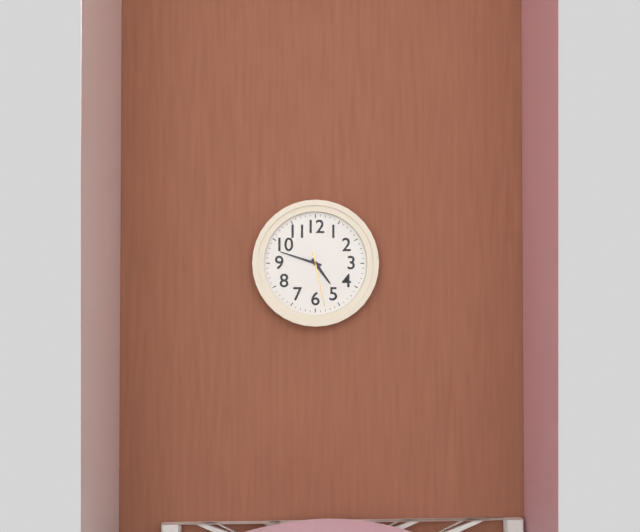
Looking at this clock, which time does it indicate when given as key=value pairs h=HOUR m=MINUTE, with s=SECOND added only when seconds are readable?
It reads h=4 m=48 s=28
